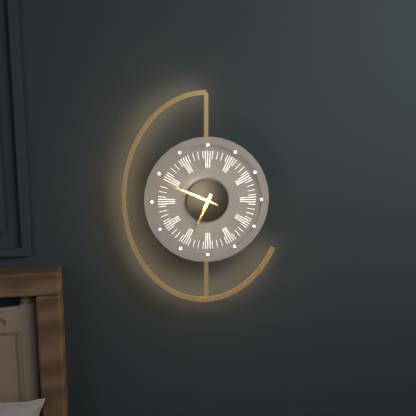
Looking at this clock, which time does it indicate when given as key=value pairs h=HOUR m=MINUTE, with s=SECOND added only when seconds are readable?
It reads h=6 m=49
